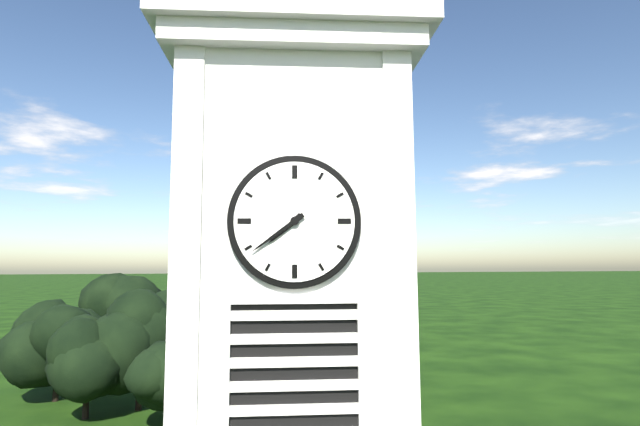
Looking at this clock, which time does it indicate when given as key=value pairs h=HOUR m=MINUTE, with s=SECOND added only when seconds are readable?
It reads h=7 m=39
